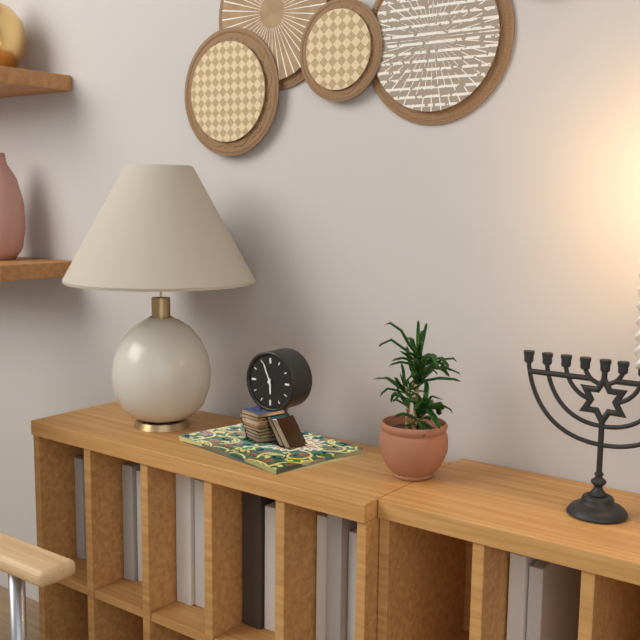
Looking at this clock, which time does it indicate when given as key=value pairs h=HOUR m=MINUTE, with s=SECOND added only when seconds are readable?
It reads h=5 m=56
